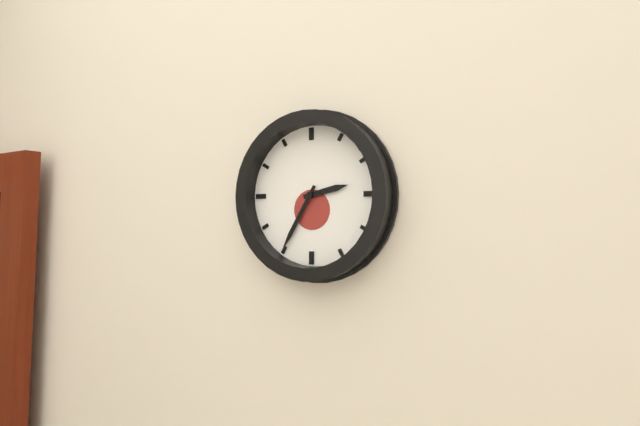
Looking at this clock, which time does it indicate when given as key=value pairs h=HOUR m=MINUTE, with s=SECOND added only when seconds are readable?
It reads h=2 m=35
